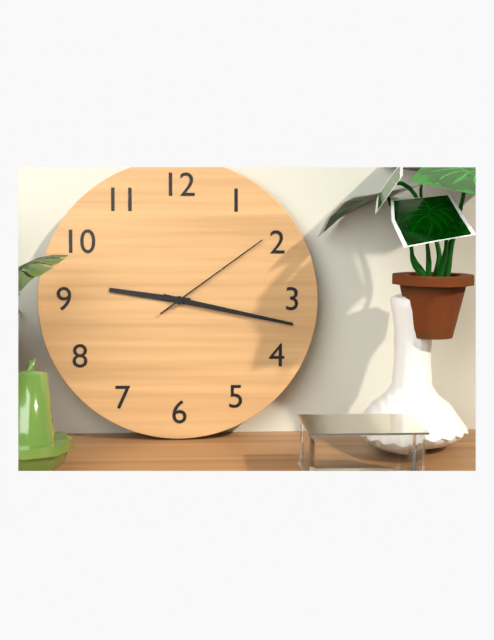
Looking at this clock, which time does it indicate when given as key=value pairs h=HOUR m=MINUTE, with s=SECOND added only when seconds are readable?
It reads h=9 m=17 s=9
